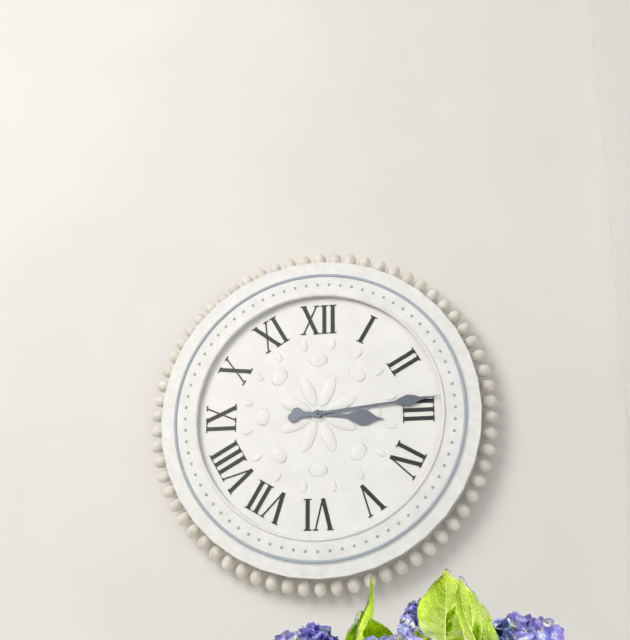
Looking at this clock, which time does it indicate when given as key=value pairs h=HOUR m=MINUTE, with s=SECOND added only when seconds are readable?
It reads h=3 m=14
